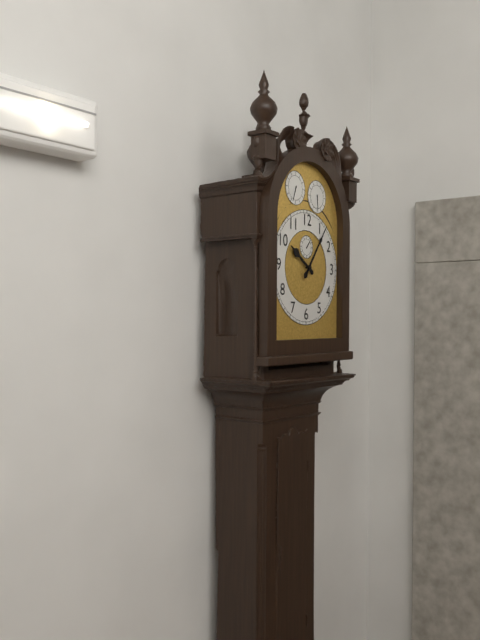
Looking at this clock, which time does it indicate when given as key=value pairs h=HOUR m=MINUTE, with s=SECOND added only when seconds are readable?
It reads h=10 m=6
